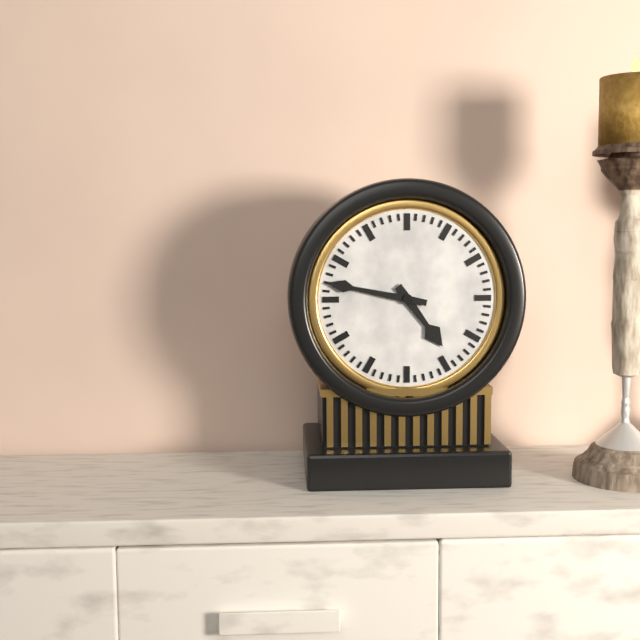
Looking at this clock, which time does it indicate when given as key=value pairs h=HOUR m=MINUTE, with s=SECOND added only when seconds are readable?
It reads h=4 m=47
